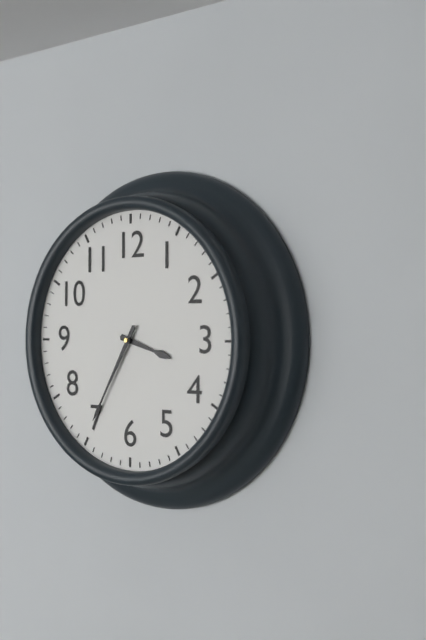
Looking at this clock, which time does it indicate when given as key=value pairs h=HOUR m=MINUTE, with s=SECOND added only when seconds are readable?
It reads h=3 m=35
